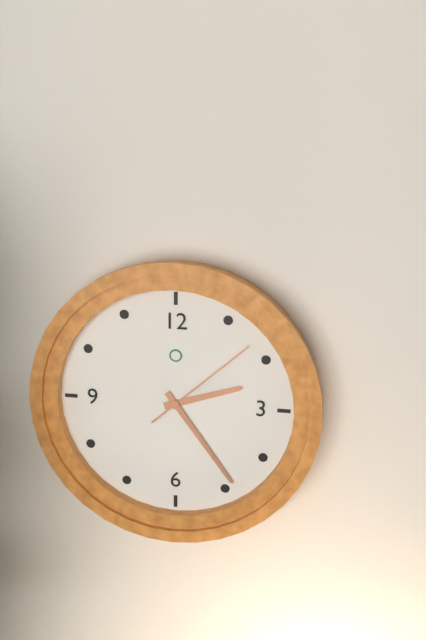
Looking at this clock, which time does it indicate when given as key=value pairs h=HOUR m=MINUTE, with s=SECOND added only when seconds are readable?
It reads h=2 m=24 s=8
